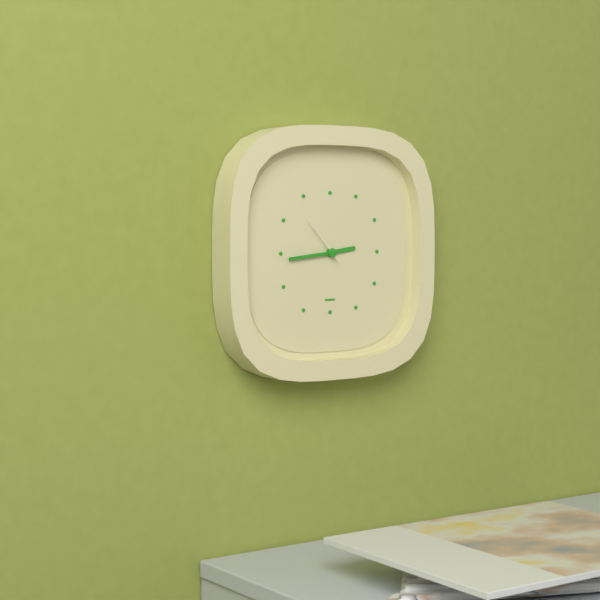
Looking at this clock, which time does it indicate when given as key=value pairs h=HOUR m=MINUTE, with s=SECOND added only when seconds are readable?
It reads h=2 m=44
